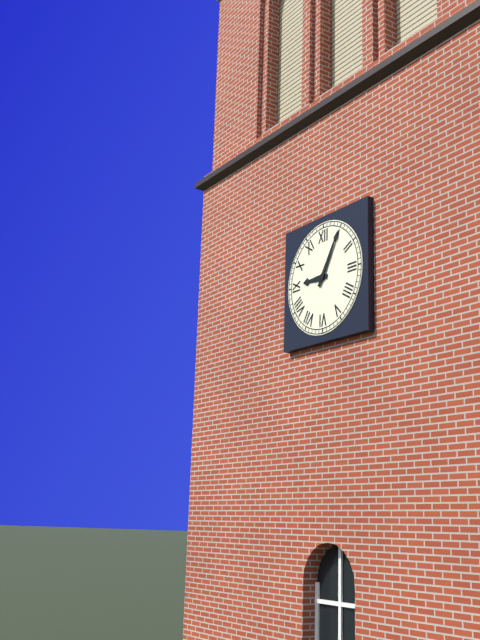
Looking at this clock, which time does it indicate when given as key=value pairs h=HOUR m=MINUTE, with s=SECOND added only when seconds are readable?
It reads h=9 m=5
